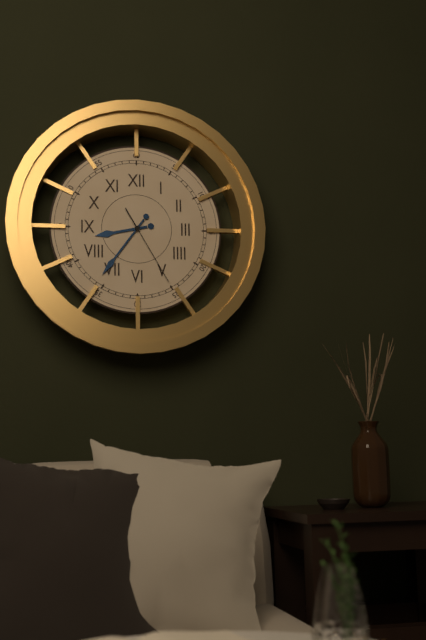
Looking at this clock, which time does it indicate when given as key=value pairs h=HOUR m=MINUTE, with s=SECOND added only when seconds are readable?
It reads h=8 m=36 s=25
